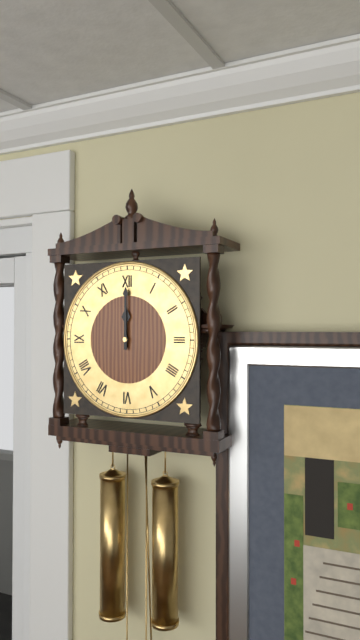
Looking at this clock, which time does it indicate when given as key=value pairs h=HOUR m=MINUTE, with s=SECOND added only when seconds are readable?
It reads h=12 m=0
